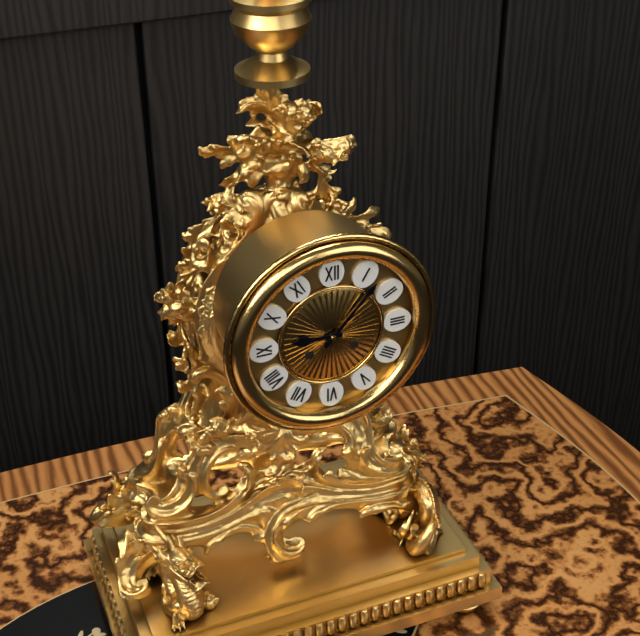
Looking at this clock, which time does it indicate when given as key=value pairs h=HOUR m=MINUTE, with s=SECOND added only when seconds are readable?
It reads h=9 m=7
